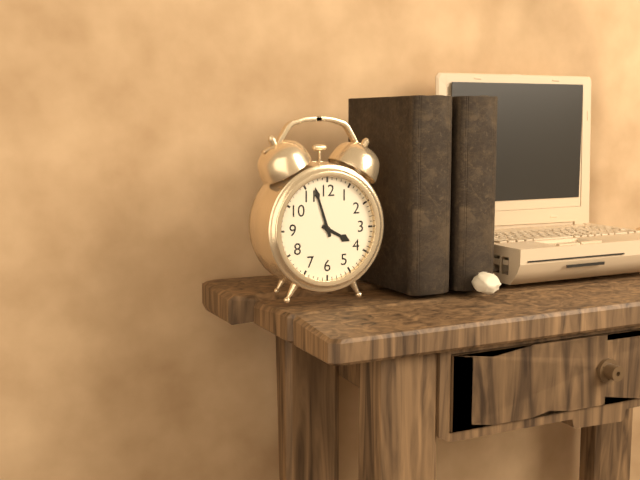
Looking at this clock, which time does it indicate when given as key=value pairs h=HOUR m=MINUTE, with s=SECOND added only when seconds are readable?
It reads h=3 m=57
